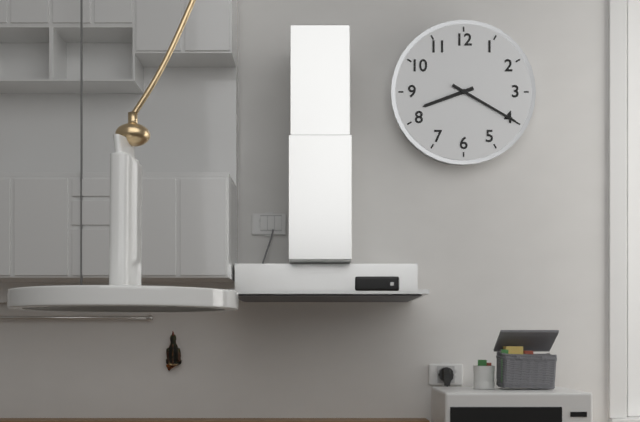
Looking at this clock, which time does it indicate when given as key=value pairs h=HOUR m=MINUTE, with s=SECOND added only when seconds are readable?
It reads h=8 m=20
